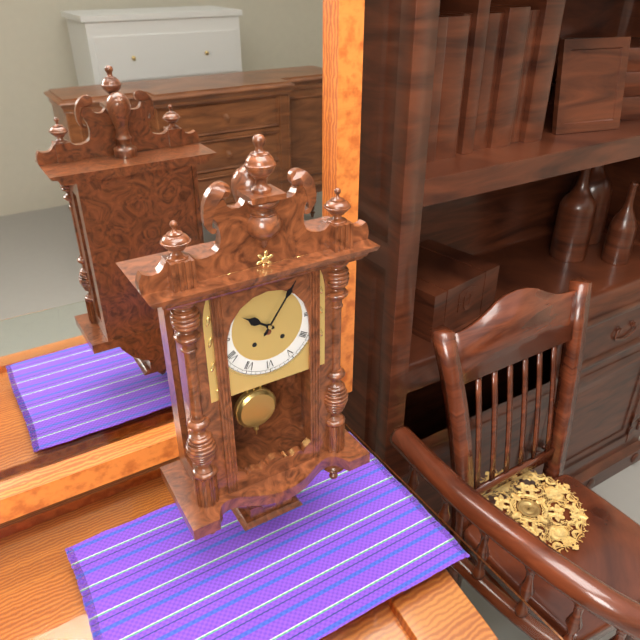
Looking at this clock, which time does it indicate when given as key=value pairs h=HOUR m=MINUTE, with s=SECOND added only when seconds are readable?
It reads h=10 m=6
